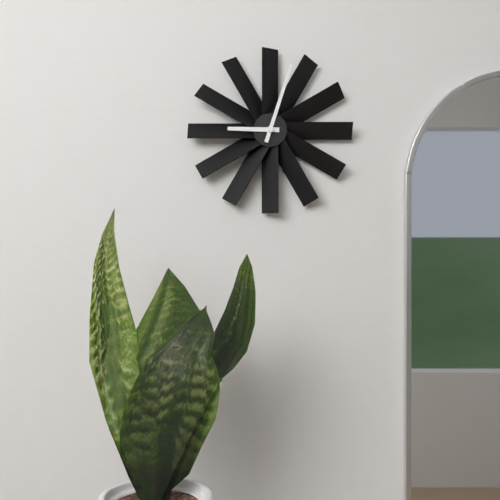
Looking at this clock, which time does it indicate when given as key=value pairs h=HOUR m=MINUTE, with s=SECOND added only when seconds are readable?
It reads h=9 m=3
